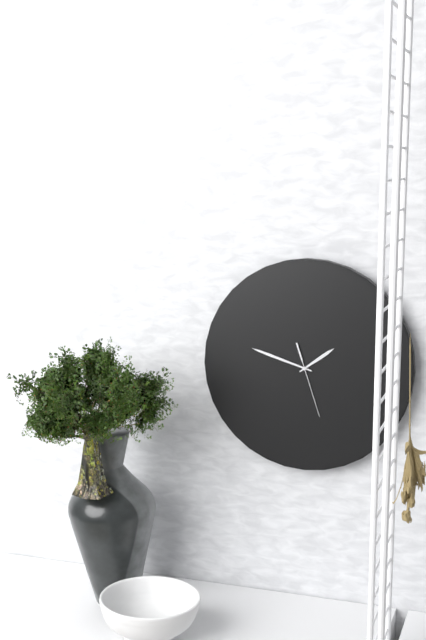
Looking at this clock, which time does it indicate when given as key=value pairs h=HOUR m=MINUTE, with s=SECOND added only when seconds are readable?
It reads h=1 m=48 s=27
